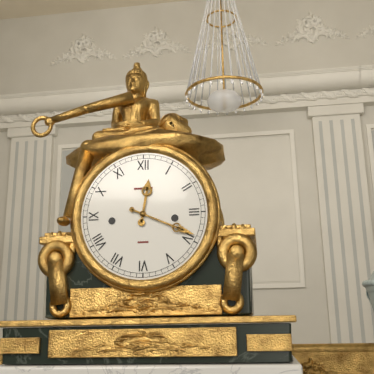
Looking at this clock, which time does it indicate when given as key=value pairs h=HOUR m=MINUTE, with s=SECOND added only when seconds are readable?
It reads h=12 m=19
